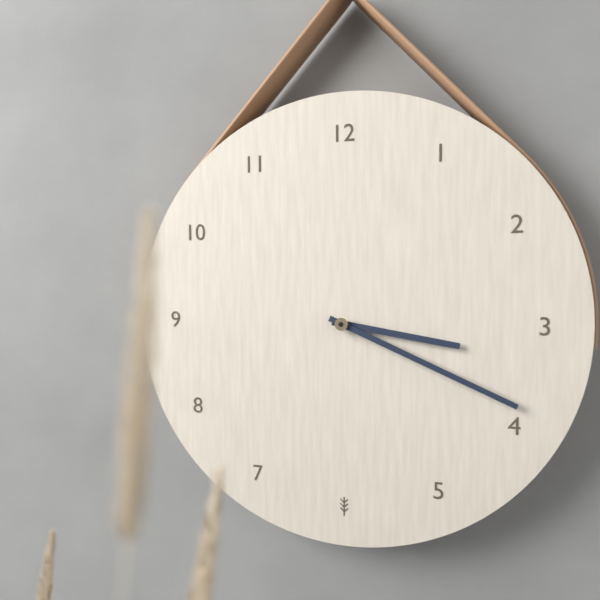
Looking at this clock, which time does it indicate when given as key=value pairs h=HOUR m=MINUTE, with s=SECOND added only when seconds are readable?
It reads h=3 m=19
